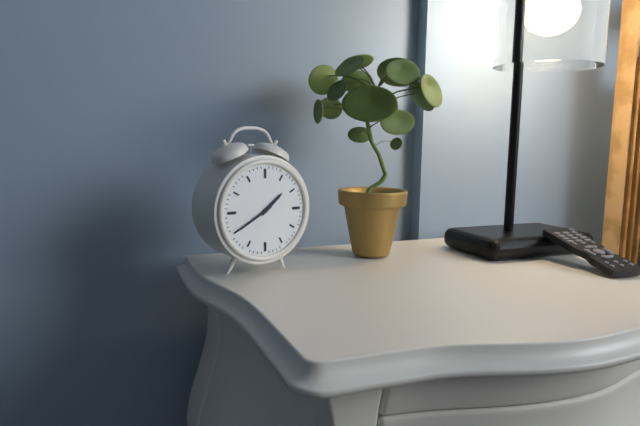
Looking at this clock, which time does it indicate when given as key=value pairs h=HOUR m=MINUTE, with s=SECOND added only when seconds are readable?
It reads h=1 m=40
